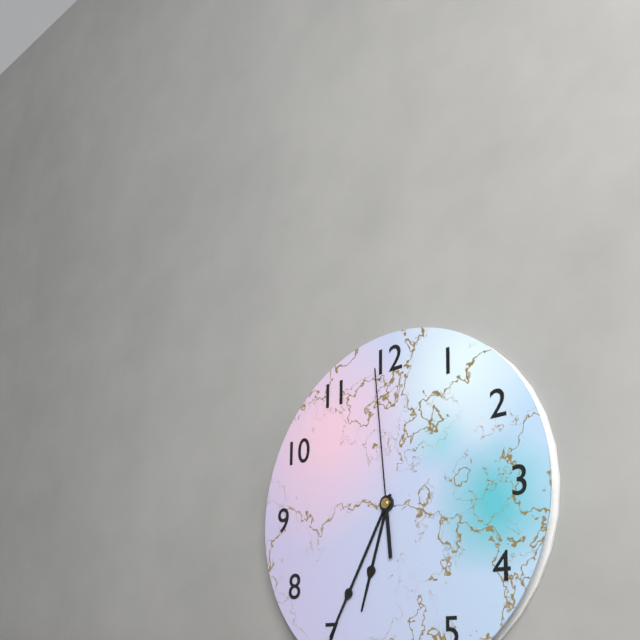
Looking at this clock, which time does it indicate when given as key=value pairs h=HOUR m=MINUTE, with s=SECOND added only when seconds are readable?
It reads h=6 m=35 s=59
